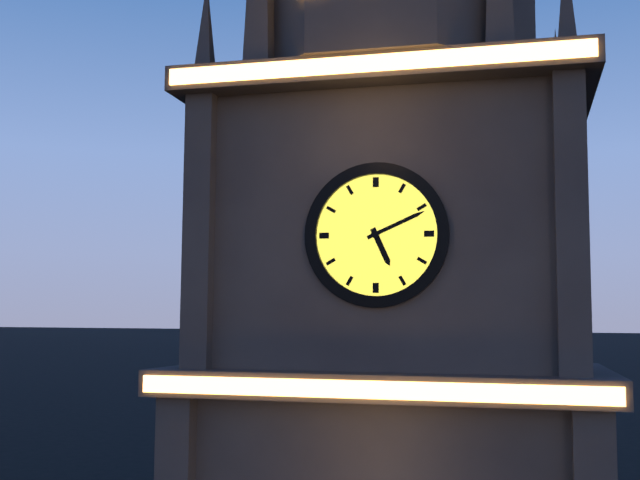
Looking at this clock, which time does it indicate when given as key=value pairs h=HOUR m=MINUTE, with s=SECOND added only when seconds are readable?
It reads h=5 m=11
